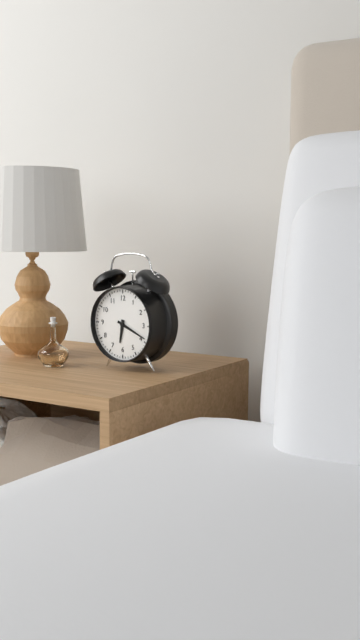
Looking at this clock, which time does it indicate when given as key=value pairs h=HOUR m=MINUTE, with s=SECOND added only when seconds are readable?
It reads h=6 m=19
